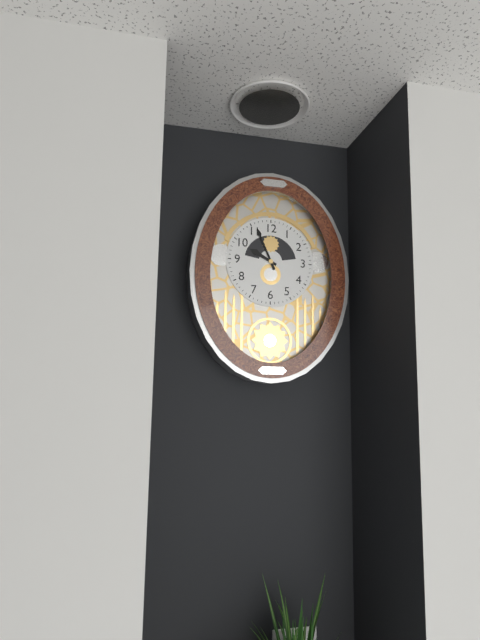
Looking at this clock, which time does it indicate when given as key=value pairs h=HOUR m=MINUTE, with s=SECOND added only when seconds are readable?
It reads h=9 m=56
